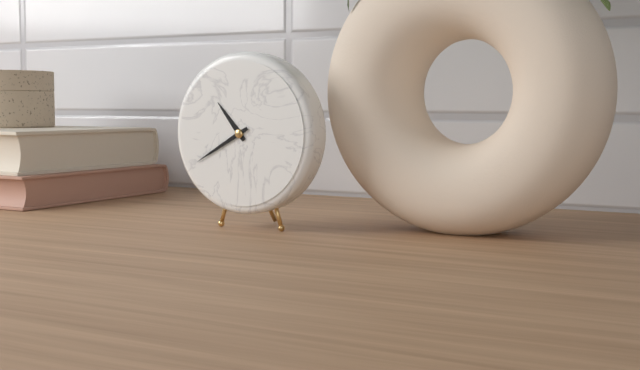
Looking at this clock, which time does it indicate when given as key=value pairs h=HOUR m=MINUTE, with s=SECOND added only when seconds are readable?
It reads h=10 m=40
